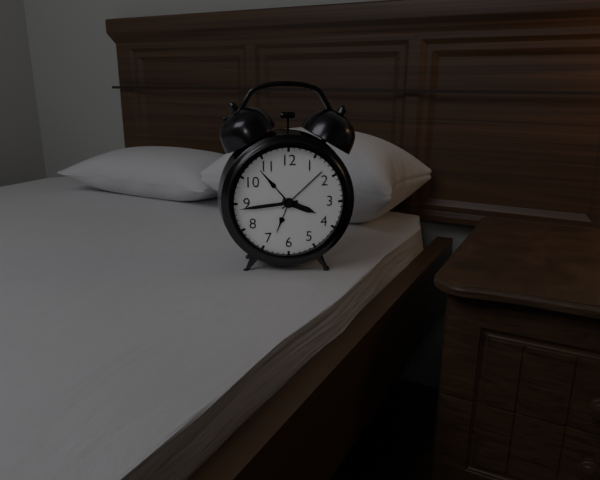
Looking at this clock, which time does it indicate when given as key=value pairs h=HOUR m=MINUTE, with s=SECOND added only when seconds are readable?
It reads h=3 m=44
